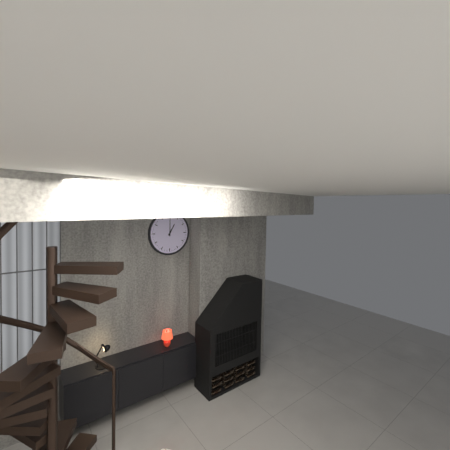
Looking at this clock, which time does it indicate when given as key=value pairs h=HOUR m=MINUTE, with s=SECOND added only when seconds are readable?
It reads h=1 m=0
